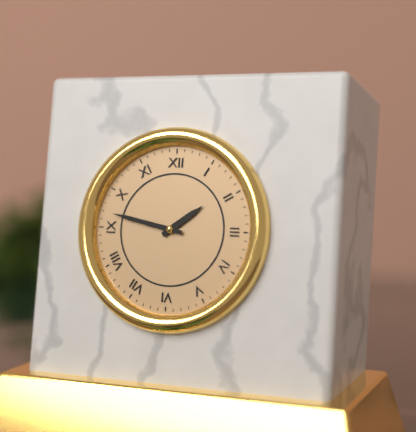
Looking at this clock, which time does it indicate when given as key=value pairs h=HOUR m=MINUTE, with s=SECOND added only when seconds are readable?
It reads h=1 m=47
